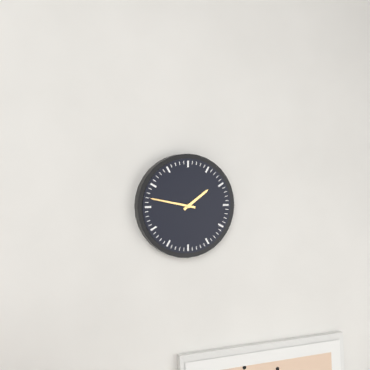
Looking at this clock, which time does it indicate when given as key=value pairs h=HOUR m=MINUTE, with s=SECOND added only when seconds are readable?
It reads h=1 m=47
